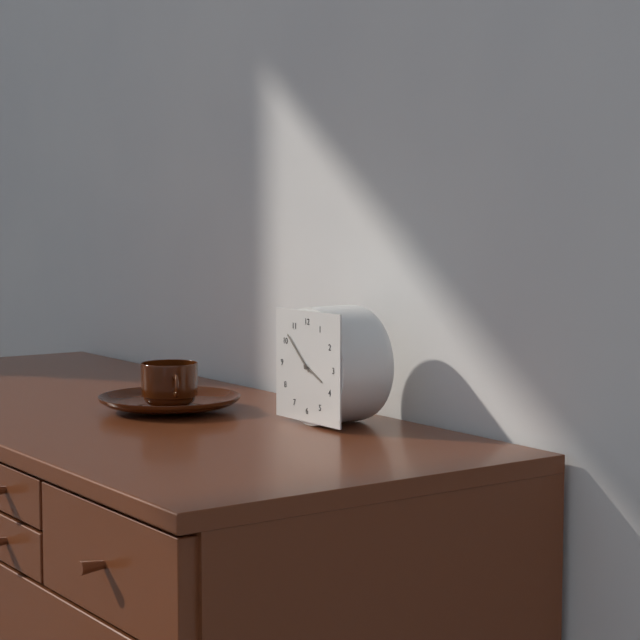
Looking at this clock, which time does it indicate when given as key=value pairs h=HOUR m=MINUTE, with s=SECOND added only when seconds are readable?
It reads h=3 m=52
